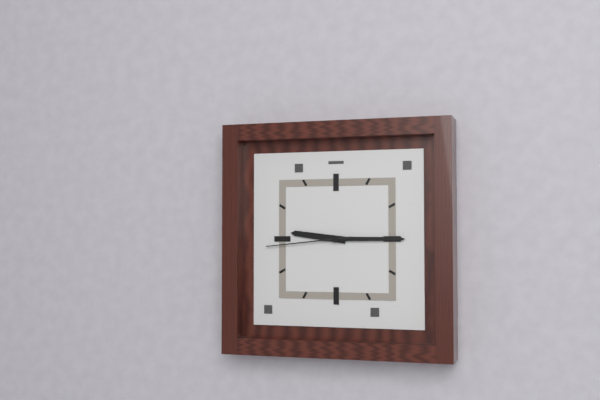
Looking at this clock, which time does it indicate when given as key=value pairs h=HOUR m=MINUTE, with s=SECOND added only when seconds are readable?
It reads h=9 m=15 s=44
